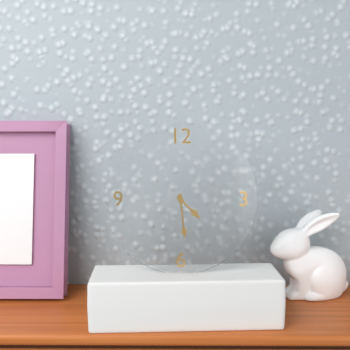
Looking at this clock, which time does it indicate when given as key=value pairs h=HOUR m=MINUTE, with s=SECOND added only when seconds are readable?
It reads h=4 m=29
